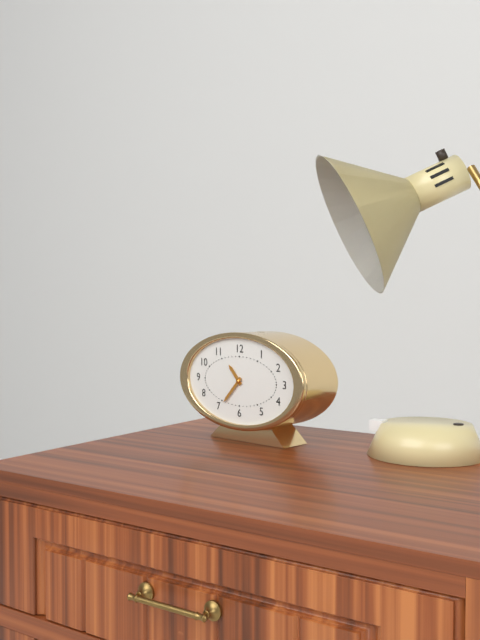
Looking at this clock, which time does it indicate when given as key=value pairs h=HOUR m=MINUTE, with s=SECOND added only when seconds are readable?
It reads h=10 m=37
